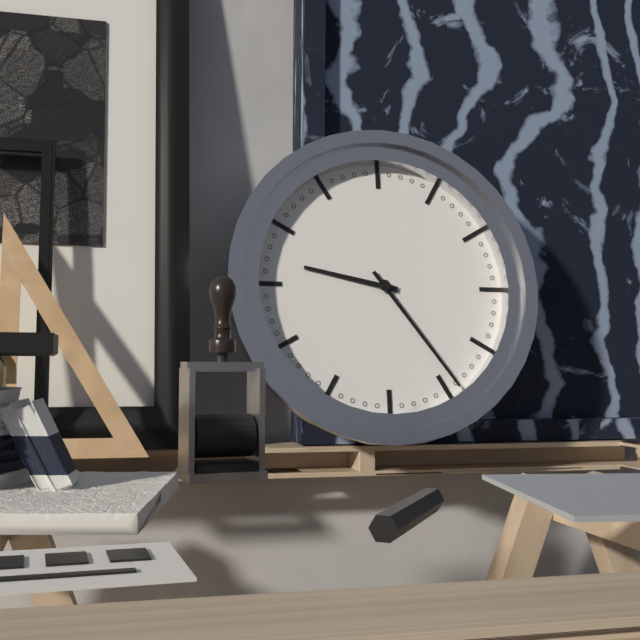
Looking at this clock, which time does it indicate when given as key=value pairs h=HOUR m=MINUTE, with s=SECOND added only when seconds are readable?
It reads h=9 m=24
